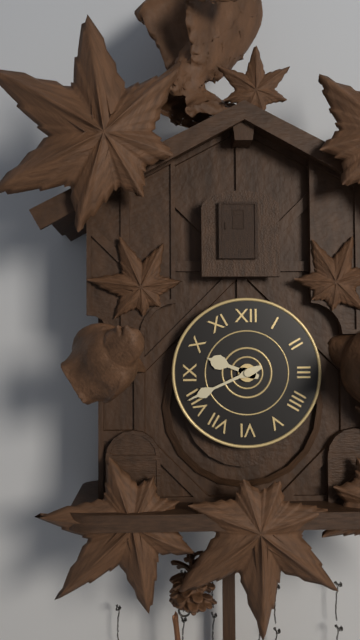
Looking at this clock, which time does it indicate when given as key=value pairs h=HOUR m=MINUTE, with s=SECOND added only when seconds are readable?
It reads h=9 m=41
